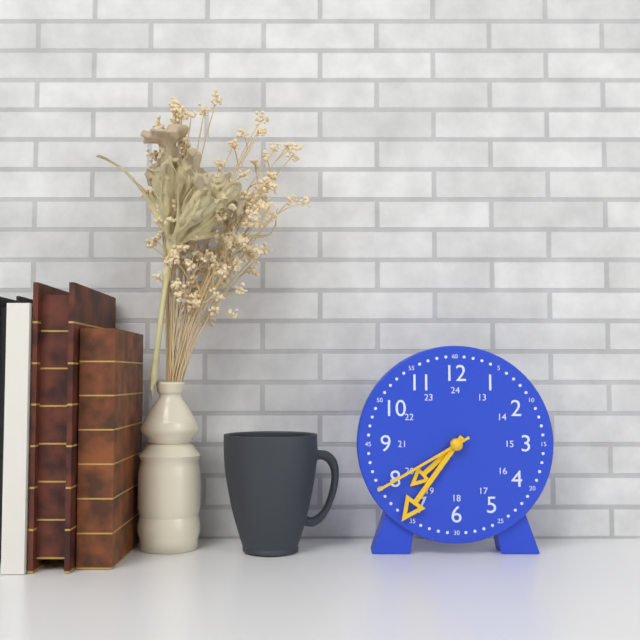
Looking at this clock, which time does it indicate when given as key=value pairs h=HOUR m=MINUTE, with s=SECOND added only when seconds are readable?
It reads h=7 m=36 s=40
